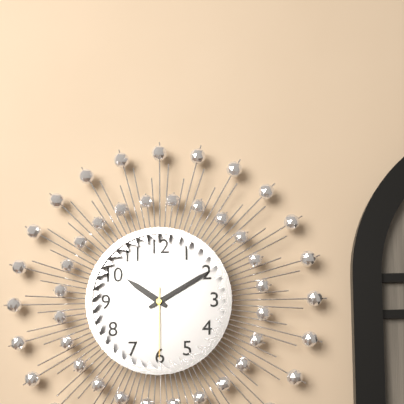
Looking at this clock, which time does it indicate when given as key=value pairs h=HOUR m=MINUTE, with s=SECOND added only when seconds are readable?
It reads h=10 m=10 s=30
